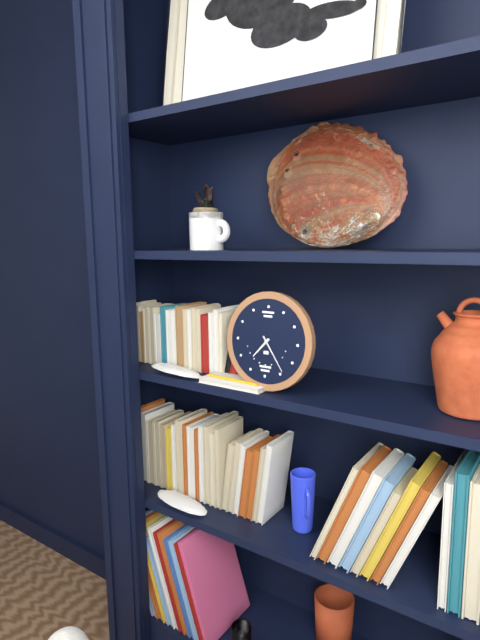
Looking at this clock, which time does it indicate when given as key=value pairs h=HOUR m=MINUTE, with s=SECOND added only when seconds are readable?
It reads h=7 m=24
